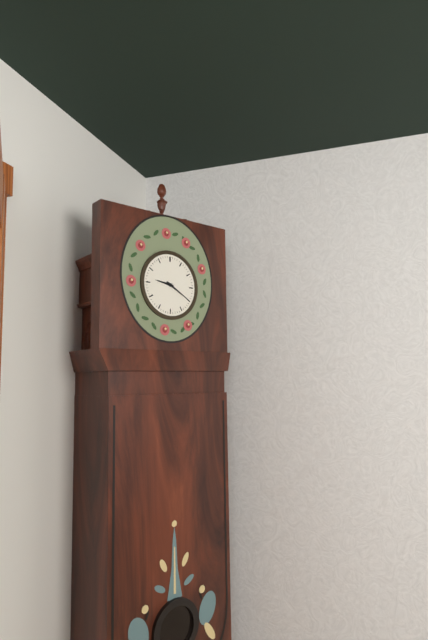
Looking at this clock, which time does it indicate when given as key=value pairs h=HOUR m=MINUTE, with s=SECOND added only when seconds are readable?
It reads h=9 m=20
